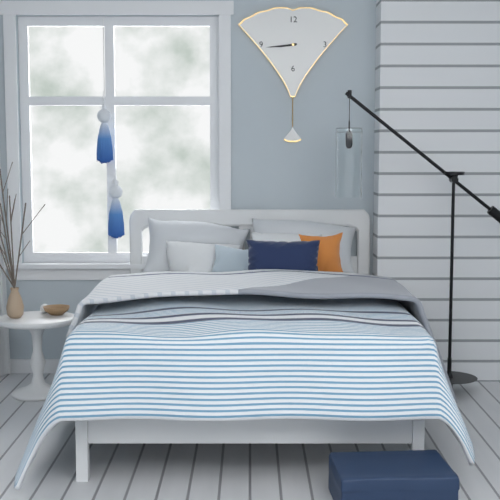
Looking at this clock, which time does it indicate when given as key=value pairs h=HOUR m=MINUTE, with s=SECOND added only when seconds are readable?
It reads h=8 m=44
